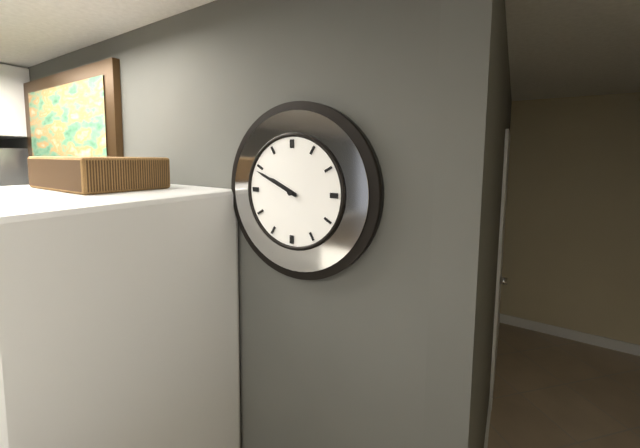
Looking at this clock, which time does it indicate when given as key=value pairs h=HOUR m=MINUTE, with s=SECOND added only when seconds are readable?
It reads h=9 m=49
